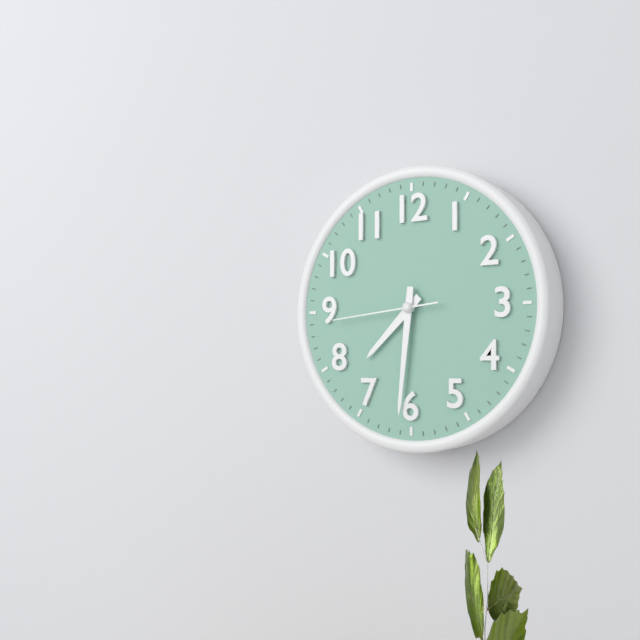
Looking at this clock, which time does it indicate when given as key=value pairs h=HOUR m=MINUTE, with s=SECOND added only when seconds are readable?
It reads h=7 m=31 s=44
